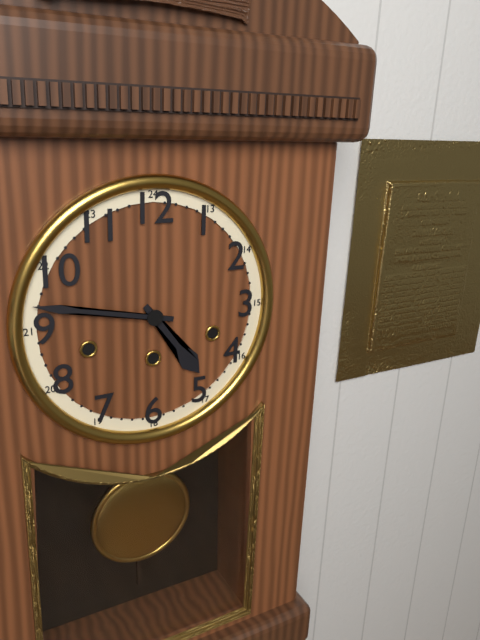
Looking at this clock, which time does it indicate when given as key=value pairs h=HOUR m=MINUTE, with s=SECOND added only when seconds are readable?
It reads h=4 m=47
